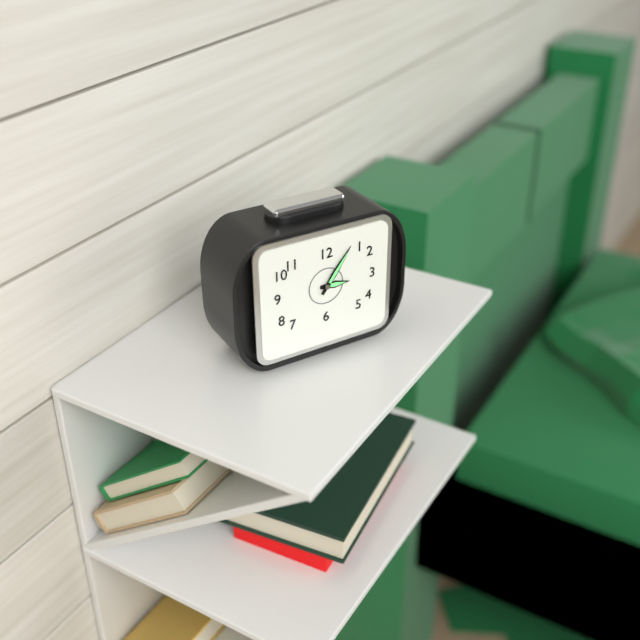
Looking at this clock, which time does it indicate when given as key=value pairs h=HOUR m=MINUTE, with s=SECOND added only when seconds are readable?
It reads h=3 m=6
